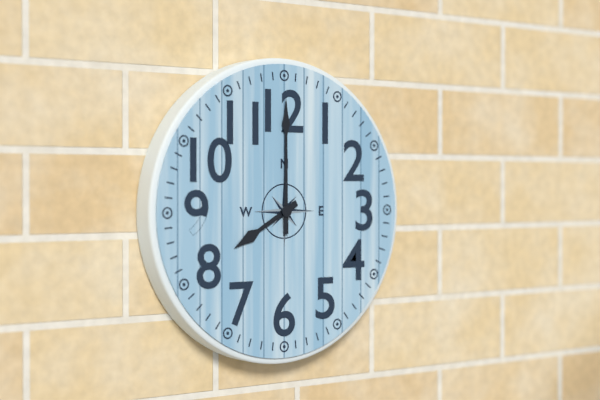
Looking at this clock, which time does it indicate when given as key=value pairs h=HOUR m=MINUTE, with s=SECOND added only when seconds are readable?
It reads h=8 m=0
